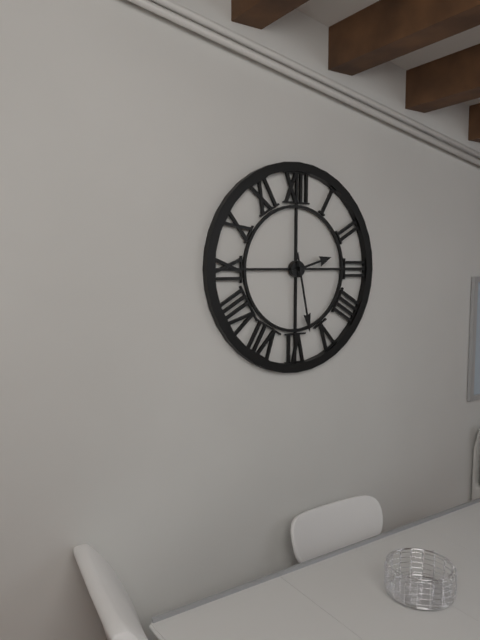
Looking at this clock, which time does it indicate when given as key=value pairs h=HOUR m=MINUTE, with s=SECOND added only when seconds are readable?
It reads h=2 m=28
